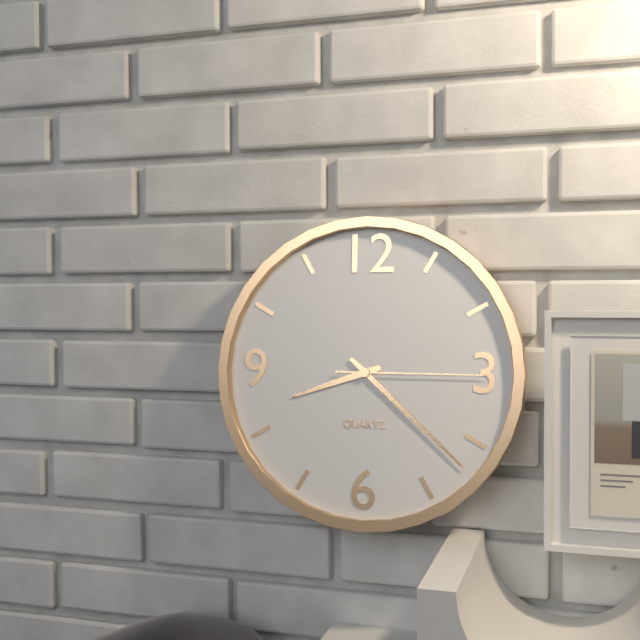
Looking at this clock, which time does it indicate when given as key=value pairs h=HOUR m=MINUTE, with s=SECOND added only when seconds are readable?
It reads h=8 m=22 s=15
